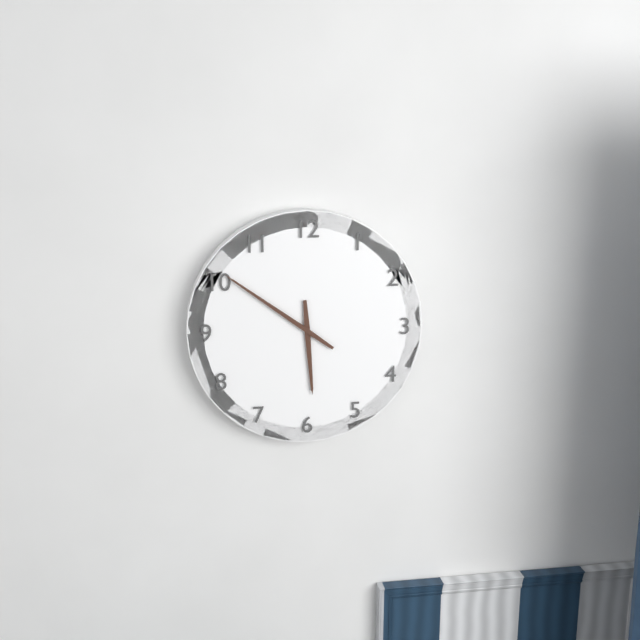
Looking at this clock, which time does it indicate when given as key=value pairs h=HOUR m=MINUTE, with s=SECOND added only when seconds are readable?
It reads h=5 m=51
